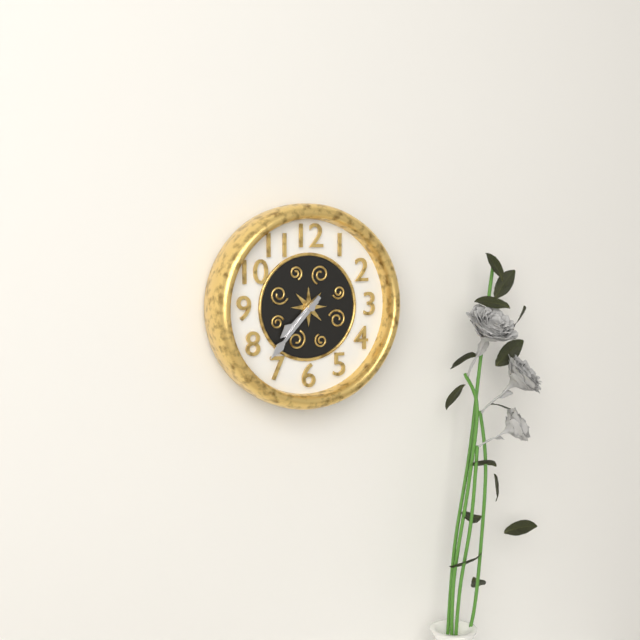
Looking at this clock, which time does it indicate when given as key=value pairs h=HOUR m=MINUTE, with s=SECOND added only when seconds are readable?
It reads h=7 m=37
